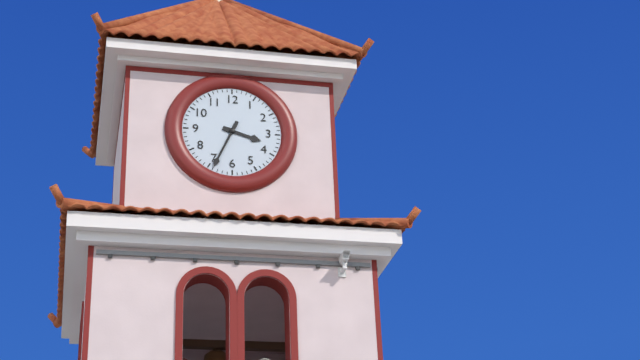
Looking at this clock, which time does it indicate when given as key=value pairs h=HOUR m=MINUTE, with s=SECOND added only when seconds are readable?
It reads h=3 m=34
